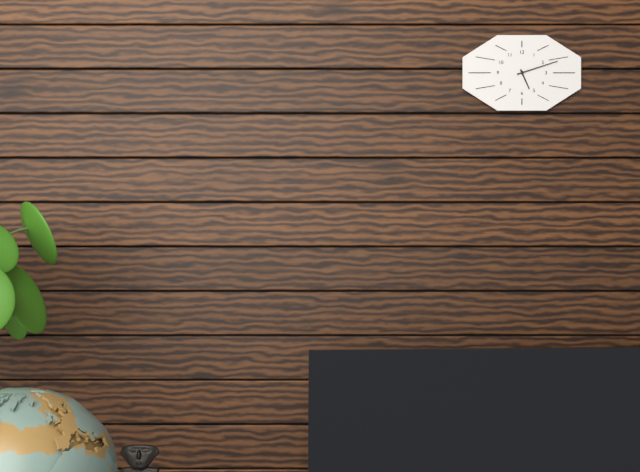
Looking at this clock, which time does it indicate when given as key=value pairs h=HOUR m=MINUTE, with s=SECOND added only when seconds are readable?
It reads h=5 m=12
